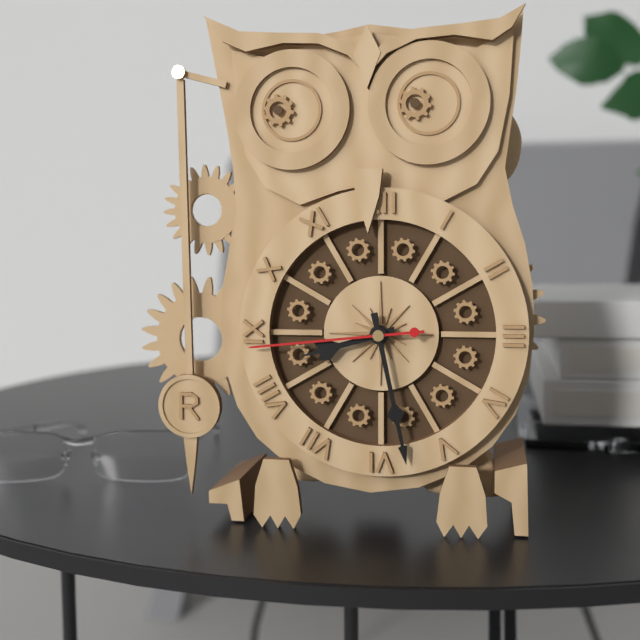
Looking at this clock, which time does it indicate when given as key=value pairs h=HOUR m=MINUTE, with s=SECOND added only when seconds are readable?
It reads h=8 m=28 s=44
